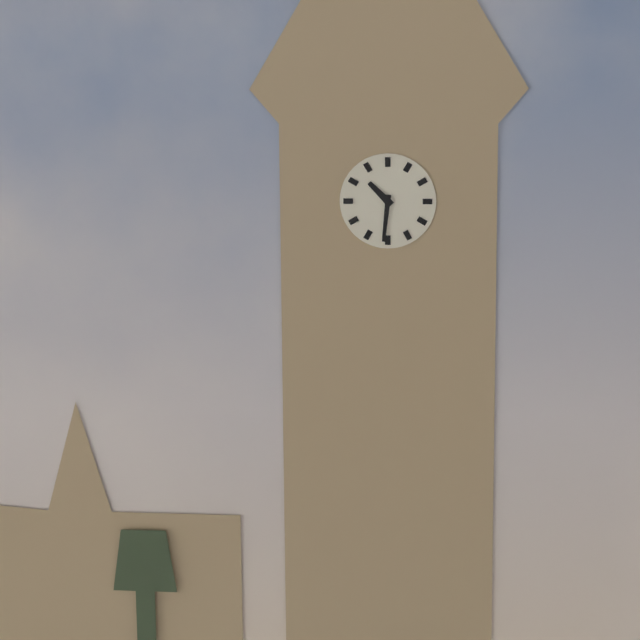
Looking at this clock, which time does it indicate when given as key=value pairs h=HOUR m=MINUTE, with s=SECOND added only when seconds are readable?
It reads h=10 m=31
